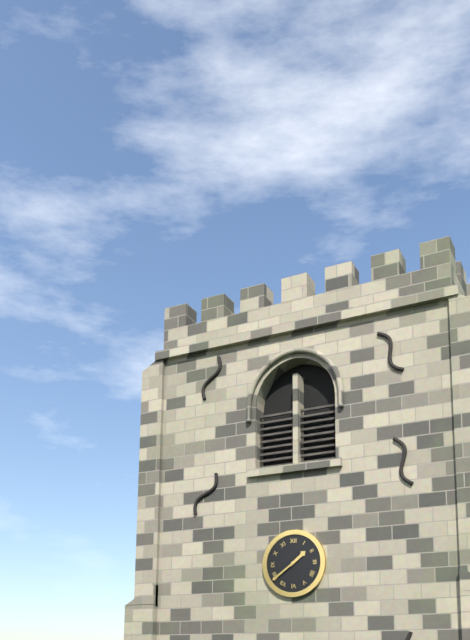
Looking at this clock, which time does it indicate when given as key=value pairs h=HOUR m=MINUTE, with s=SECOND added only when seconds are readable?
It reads h=1 m=39
